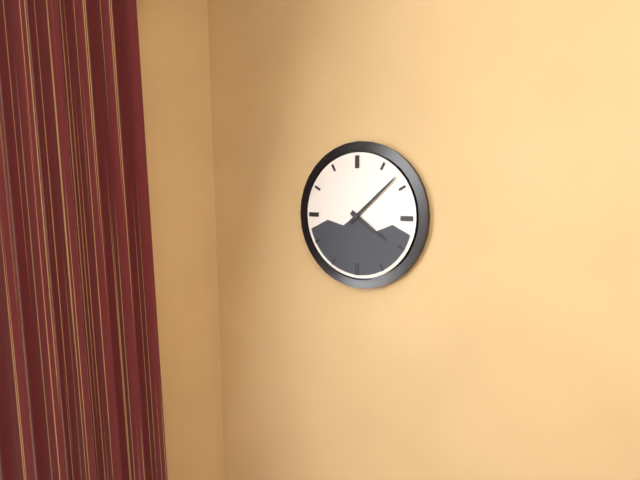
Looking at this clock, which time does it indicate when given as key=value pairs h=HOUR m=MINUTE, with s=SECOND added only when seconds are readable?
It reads h=4 m=8
